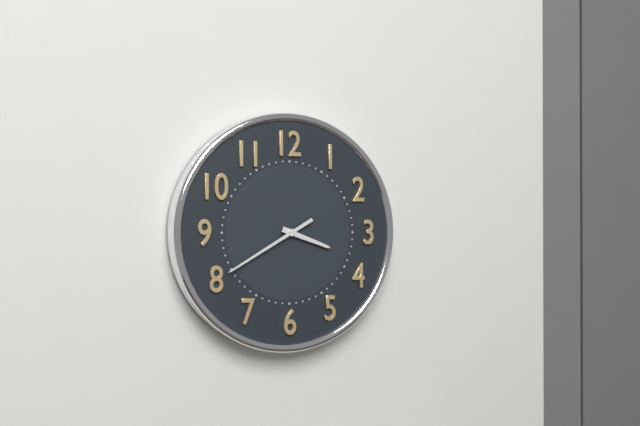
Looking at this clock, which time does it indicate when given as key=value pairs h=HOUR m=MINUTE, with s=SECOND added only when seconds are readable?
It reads h=3 m=40
